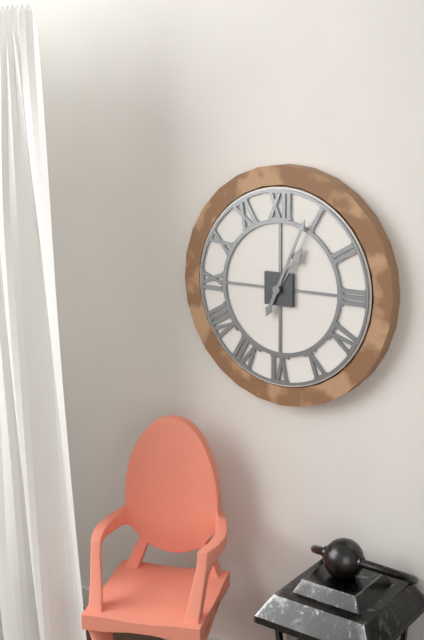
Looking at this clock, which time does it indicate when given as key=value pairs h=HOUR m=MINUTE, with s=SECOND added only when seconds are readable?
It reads h=1 m=4
